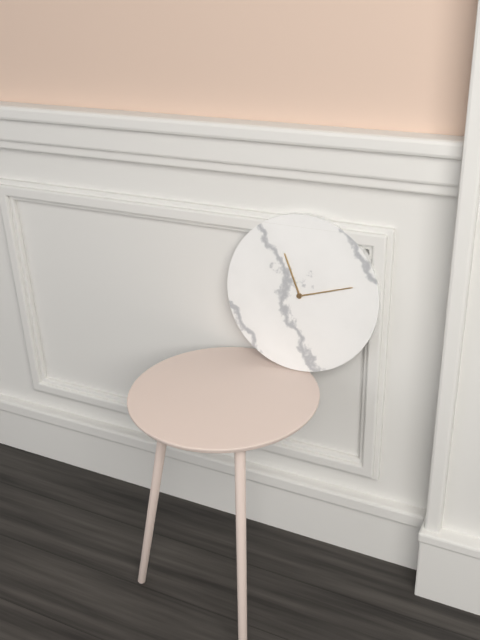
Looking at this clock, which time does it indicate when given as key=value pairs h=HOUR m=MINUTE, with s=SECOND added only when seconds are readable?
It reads h=11 m=12
